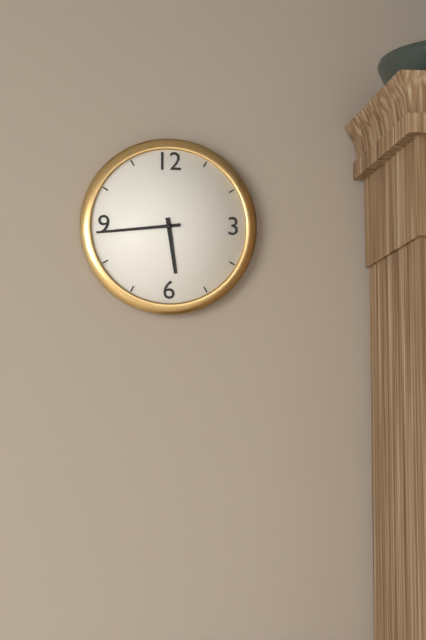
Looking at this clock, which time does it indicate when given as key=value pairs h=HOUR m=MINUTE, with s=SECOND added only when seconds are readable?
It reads h=5 m=44
